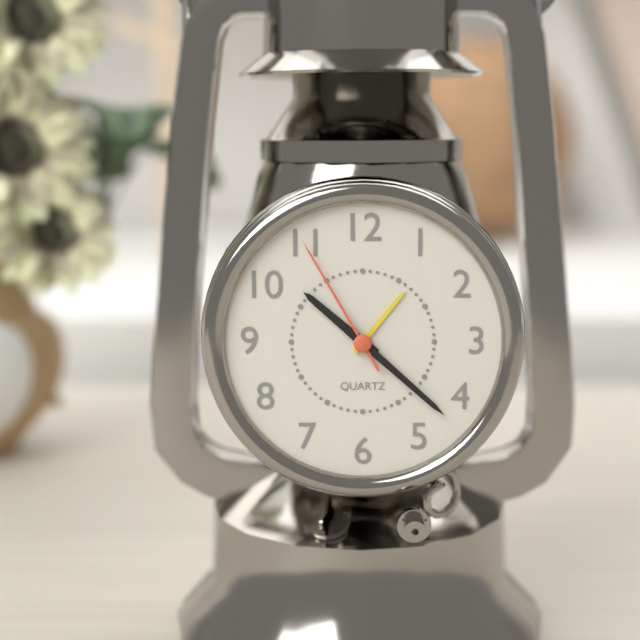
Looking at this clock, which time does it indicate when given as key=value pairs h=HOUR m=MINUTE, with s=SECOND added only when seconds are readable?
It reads h=10 m=22 s=55
